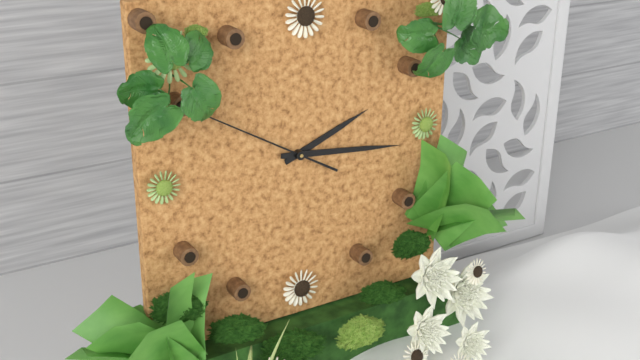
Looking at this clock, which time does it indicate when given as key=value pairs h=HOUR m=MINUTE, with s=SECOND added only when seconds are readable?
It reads h=2 m=16 s=50
